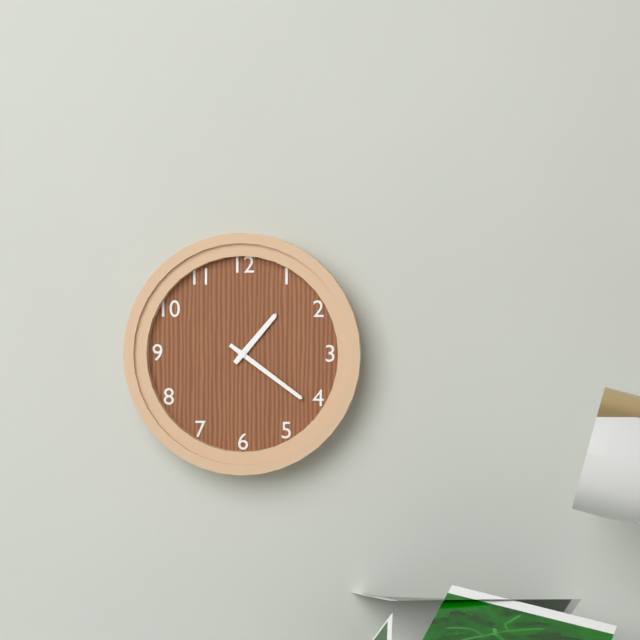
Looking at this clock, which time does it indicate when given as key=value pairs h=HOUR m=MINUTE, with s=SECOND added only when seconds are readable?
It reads h=1 m=21
